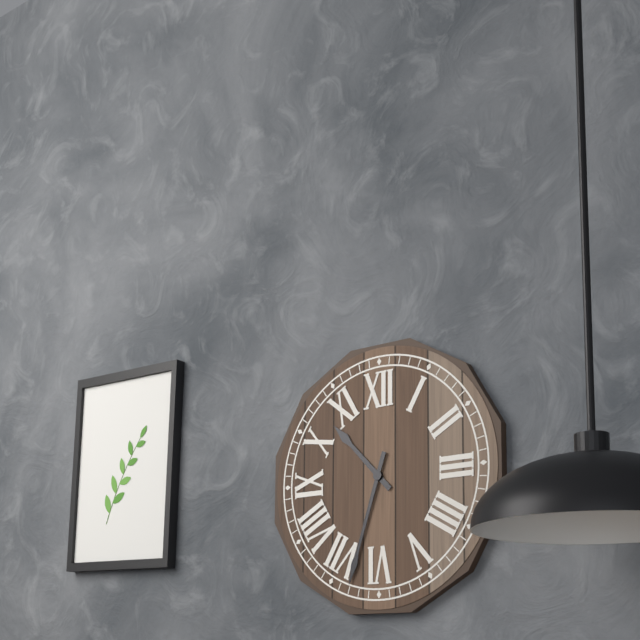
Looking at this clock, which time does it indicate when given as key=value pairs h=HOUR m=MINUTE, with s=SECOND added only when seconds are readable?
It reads h=10 m=33
